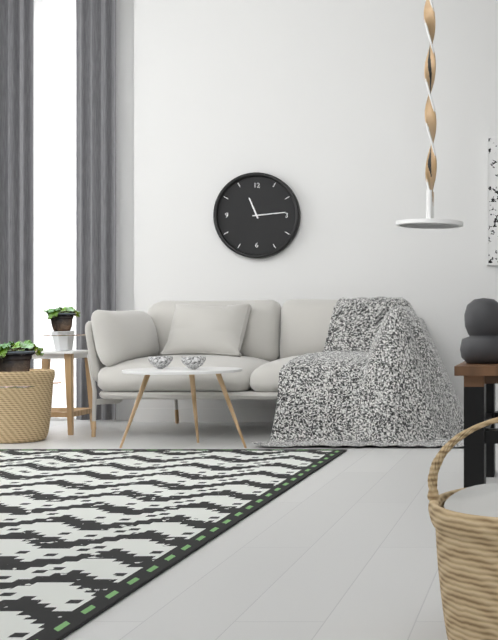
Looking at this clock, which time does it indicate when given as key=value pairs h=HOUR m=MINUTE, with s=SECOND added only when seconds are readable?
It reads h=11 m=14
